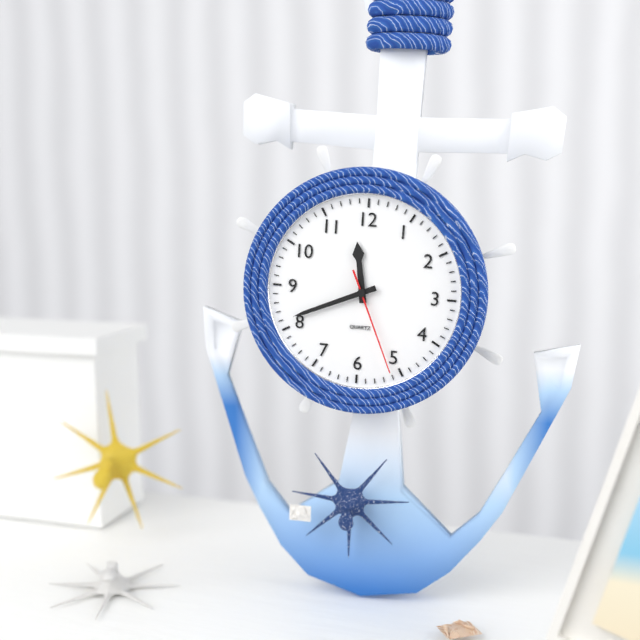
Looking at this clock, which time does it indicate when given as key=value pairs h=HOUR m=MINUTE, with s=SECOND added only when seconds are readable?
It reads h=11 m=41 s=26
